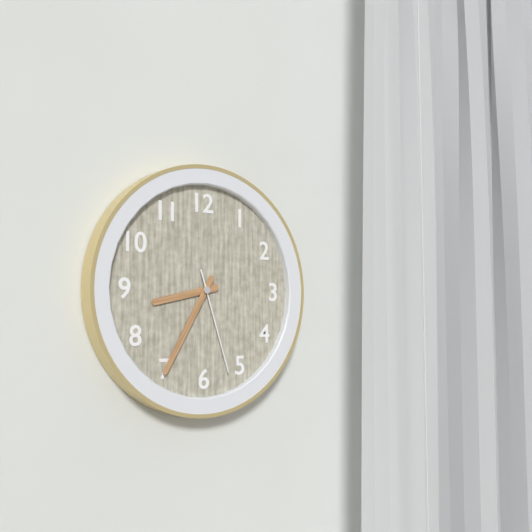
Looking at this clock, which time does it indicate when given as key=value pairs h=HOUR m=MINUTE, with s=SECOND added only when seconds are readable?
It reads h=8 m=35 s=27
